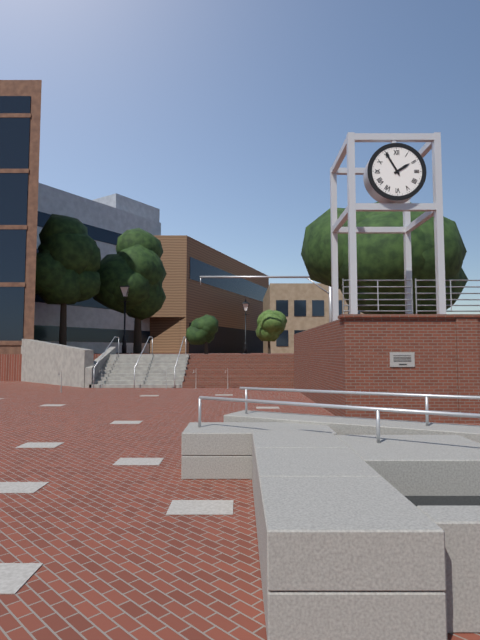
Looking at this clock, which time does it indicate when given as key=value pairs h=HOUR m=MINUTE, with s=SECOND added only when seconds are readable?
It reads h=1 m=55
